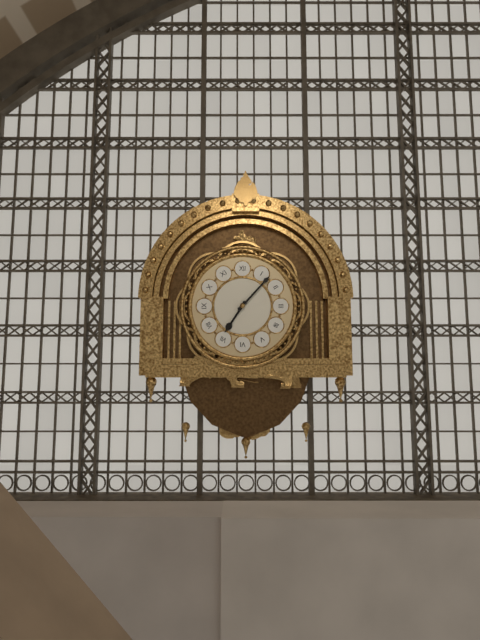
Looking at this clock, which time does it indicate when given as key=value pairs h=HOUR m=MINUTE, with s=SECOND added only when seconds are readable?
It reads h=7 m=7
